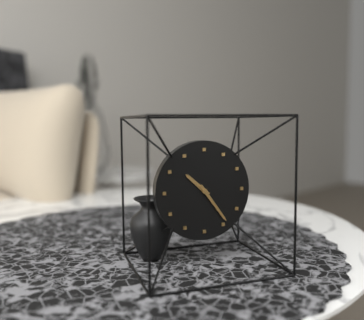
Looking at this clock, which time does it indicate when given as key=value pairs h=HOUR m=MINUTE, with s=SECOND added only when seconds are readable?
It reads h=10 m=24
